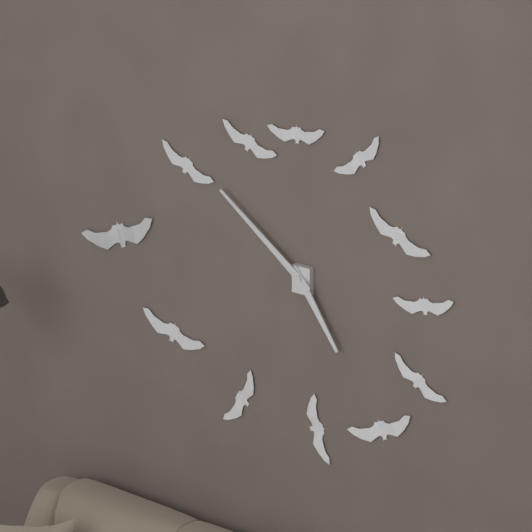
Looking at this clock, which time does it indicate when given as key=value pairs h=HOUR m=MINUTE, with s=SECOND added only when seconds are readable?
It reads h=4 m=51
